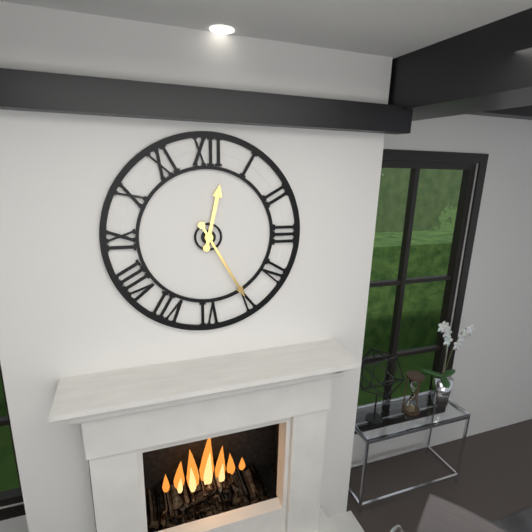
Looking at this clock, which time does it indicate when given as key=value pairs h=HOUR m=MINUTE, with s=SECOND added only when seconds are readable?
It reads h=12 m=25
